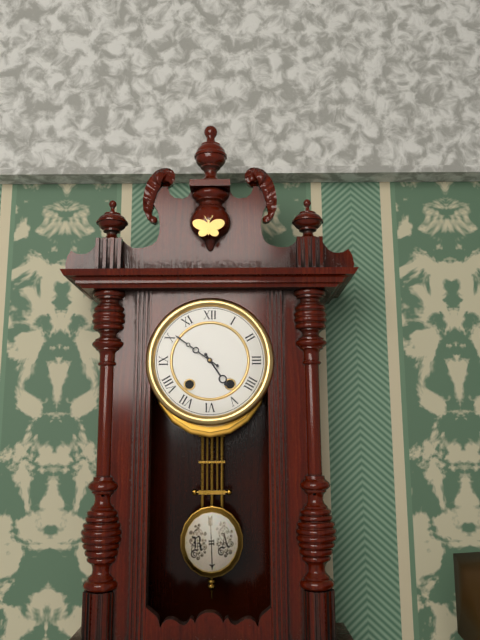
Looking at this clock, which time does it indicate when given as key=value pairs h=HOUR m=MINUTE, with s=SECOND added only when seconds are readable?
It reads h=4 m=51
